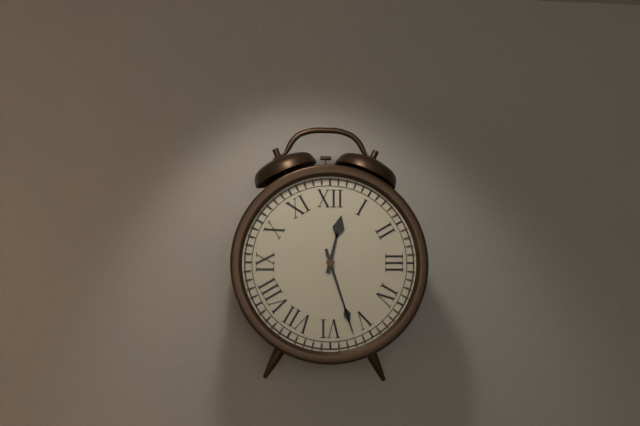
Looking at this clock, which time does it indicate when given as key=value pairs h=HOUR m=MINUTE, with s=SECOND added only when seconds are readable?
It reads h=12 m=27
